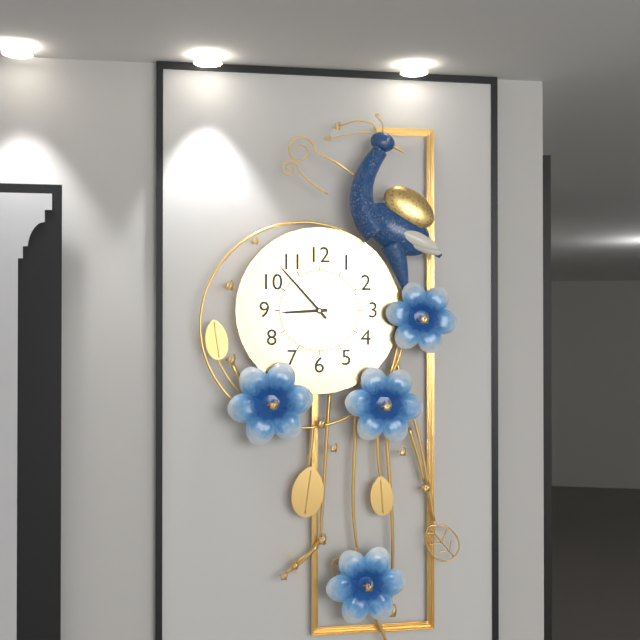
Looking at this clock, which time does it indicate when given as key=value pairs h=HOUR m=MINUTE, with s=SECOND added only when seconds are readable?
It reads h=8 m=53
